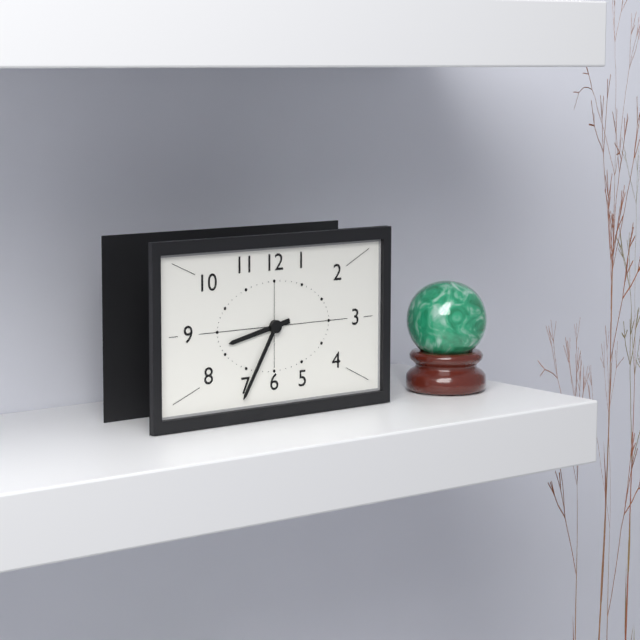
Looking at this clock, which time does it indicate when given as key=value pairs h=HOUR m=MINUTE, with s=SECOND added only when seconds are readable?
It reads h=8 m=35
